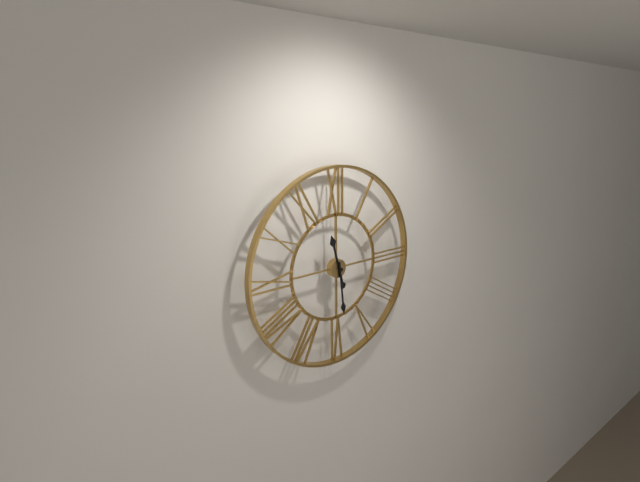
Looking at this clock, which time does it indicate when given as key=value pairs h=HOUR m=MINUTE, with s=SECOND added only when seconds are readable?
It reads h=11 m=29
